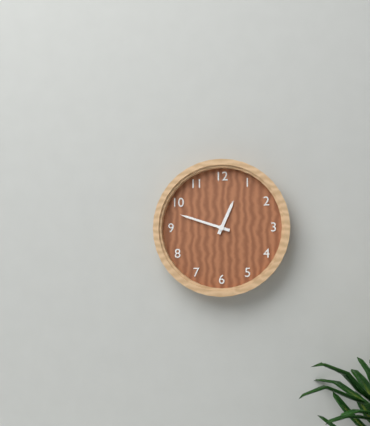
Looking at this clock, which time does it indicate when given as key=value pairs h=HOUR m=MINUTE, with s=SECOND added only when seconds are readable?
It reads h=12 m=48
